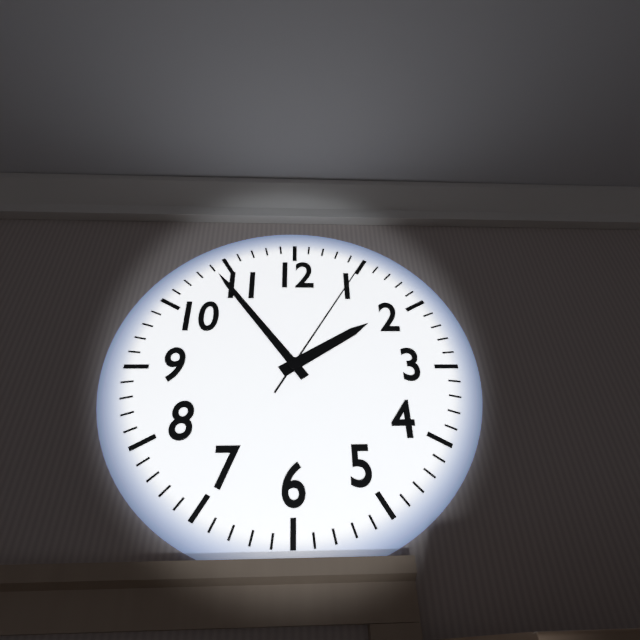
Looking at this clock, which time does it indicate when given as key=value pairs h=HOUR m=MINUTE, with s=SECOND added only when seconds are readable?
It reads h=1 m=54 s=5
